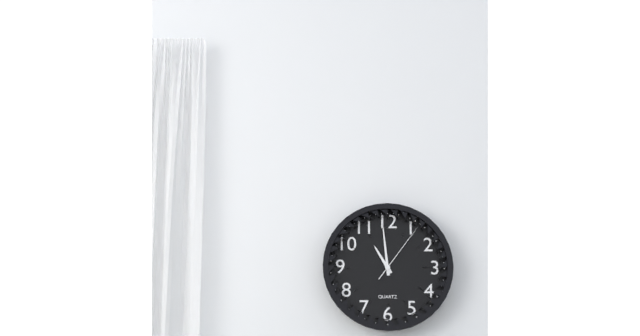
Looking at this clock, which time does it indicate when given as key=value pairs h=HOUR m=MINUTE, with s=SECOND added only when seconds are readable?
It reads h=10 m=59 s=6
